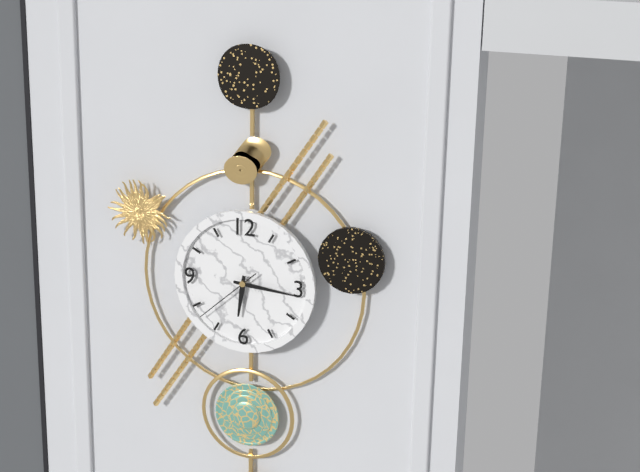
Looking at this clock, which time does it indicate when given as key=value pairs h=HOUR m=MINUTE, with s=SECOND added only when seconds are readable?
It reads h=6 m=16 s=38
